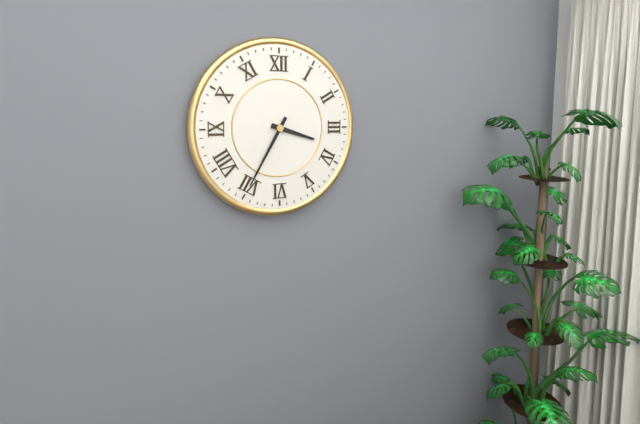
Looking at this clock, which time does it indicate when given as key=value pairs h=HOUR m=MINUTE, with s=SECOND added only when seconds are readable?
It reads h=3 m=35
